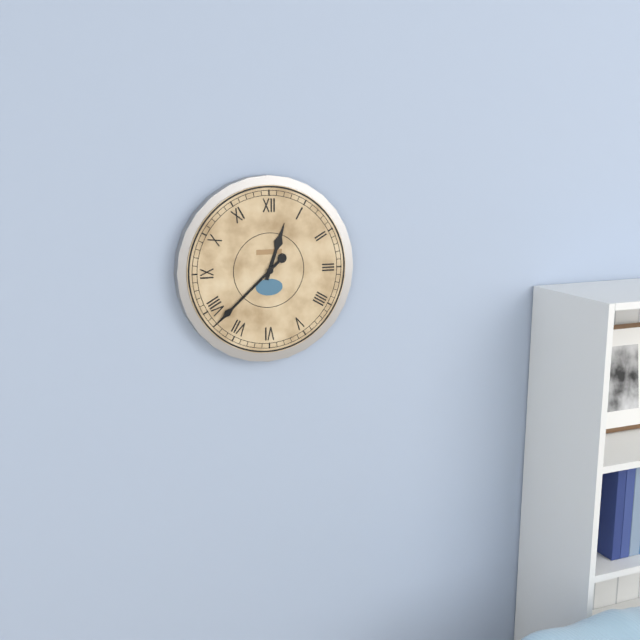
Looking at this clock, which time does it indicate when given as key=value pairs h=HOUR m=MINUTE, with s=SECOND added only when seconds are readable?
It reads h=12 m=38
